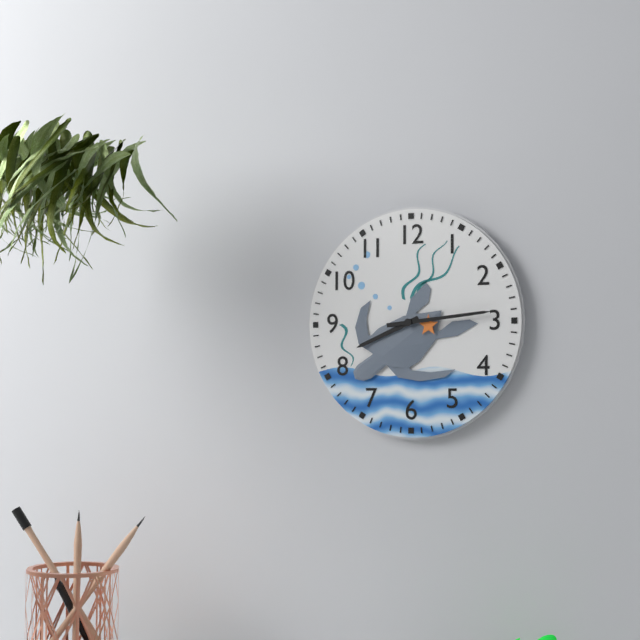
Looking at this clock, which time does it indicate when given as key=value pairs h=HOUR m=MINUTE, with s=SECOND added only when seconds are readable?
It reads h=8 m=14
